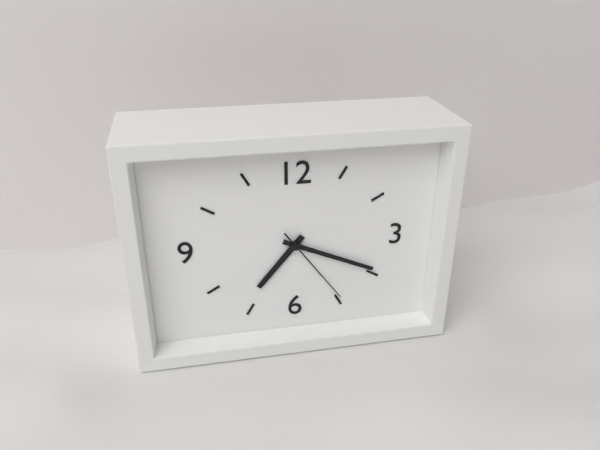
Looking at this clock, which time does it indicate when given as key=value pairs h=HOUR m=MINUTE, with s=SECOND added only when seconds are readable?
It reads h=7 m=19 s=24
